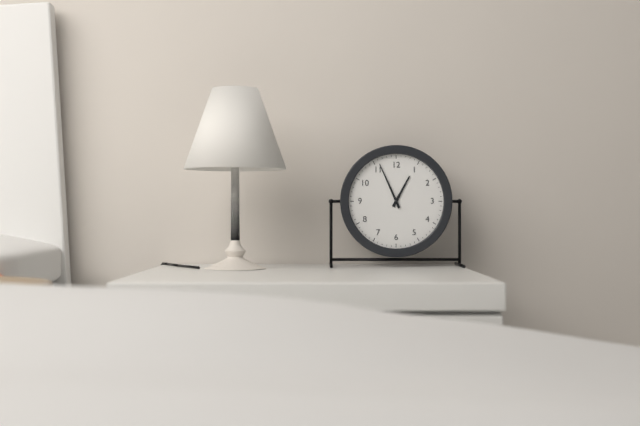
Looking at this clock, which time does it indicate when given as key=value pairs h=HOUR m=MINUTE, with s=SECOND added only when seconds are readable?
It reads h=12 m=56
